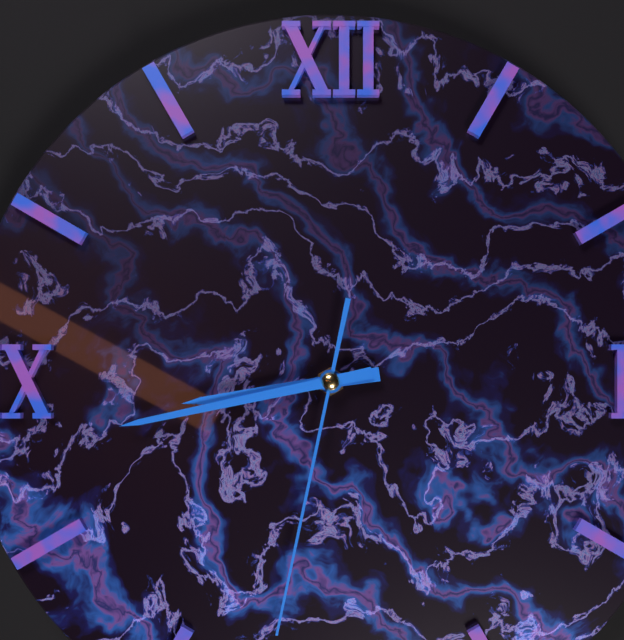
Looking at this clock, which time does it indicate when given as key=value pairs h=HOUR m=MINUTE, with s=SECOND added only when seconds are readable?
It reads h=8 m=43 s=32
